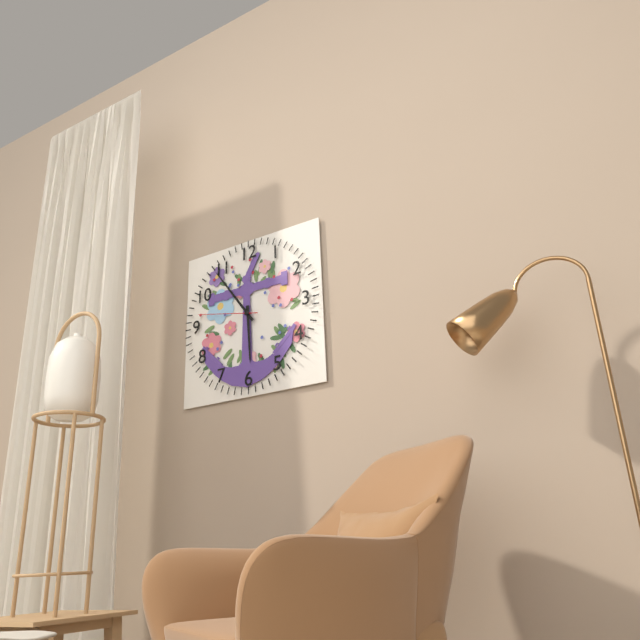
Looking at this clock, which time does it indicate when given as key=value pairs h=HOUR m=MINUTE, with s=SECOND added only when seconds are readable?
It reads h=5 m=54 s=47
